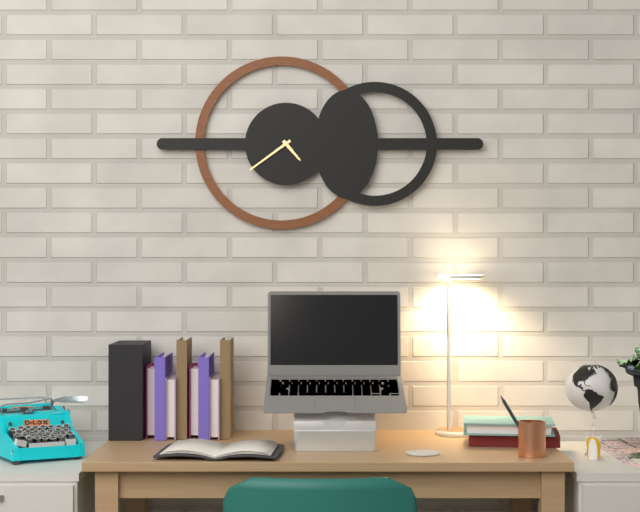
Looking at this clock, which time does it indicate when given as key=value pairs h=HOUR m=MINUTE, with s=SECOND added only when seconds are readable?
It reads h=4 m=39
